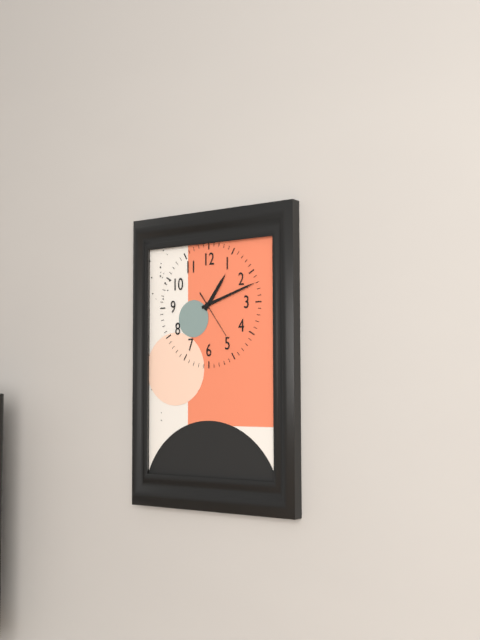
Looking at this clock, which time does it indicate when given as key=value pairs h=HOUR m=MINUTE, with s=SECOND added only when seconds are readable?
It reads h=1 m=12
